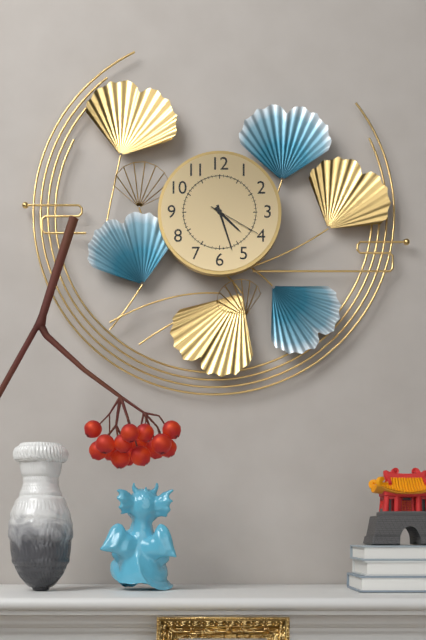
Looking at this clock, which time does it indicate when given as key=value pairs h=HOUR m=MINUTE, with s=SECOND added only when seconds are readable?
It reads h=4 m=27 s=20
